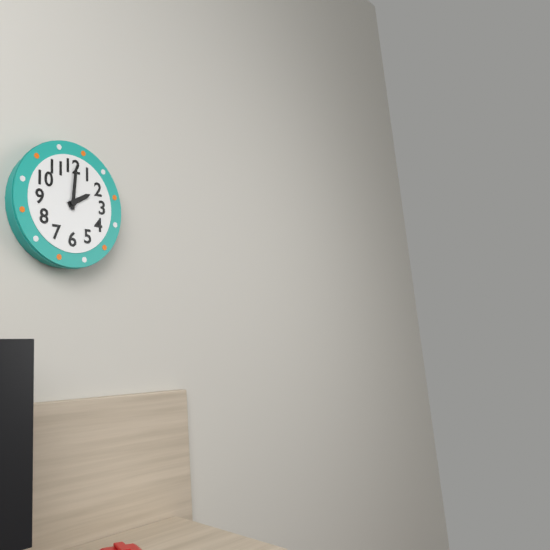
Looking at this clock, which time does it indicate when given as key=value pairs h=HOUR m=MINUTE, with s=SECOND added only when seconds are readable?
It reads h=2 m=1
